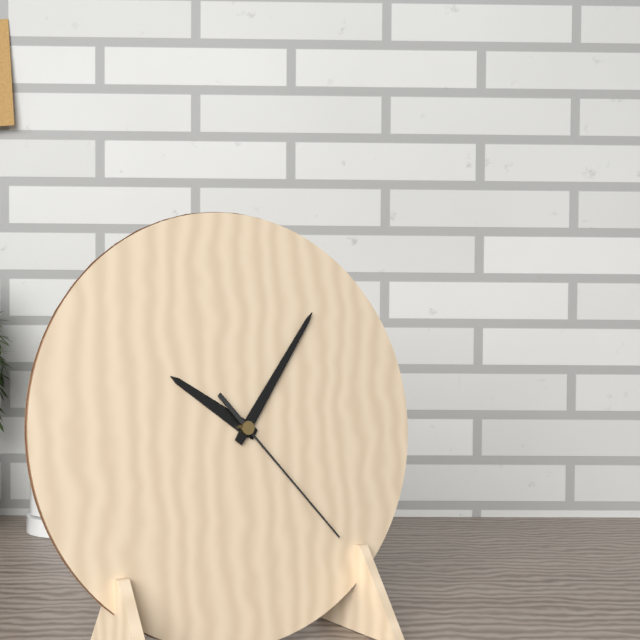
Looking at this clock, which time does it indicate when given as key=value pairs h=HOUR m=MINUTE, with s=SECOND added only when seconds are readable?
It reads h=10 m=6 s=23
